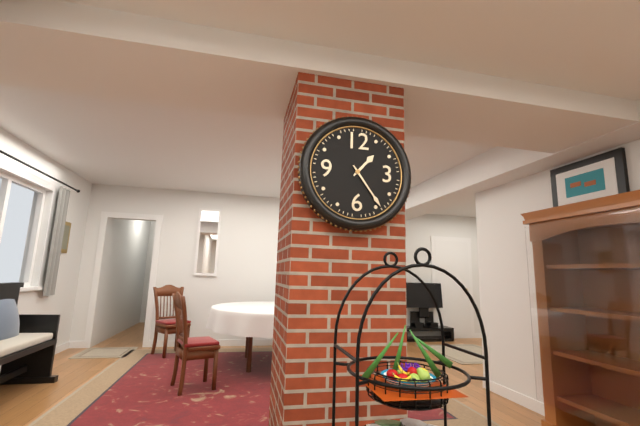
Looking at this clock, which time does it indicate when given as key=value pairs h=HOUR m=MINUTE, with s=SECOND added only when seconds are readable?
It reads h=1 m=24
